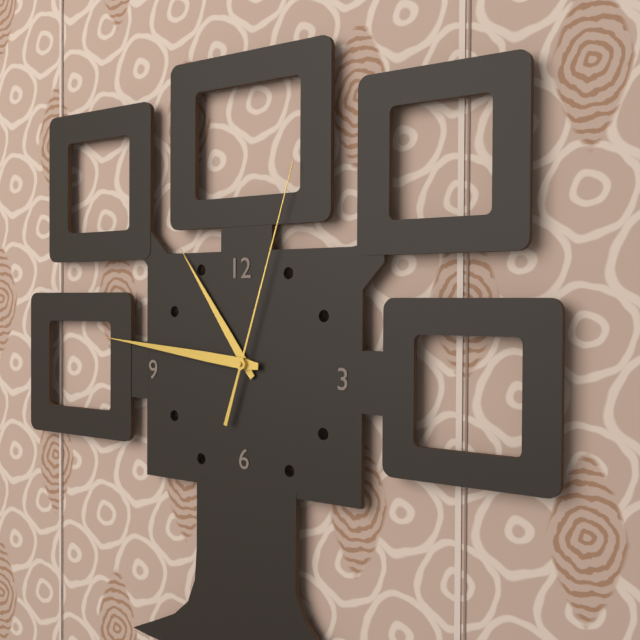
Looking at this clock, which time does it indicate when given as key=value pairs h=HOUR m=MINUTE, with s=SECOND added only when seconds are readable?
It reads h=10 m=46 s=3
